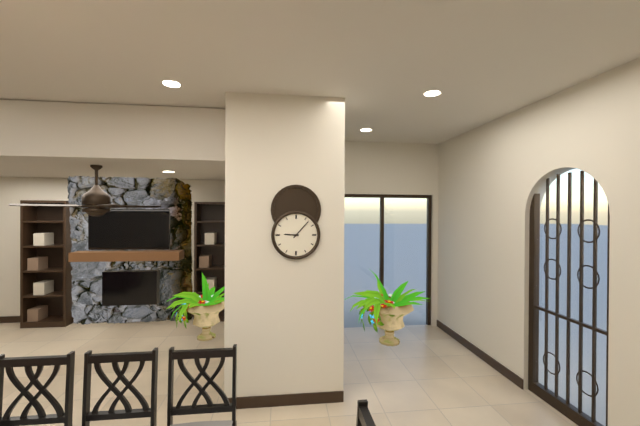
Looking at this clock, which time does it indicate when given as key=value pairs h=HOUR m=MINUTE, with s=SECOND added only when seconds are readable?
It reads h=9 m=7
